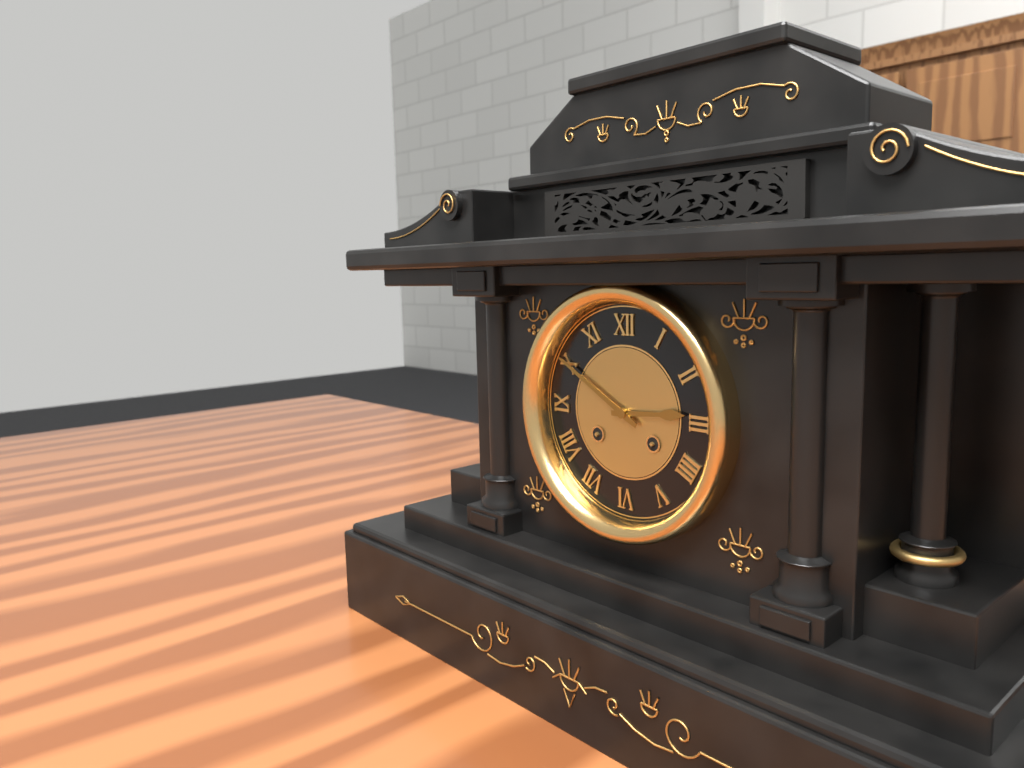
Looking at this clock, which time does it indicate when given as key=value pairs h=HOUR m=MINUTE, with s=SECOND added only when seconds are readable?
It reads h=2 m=50
